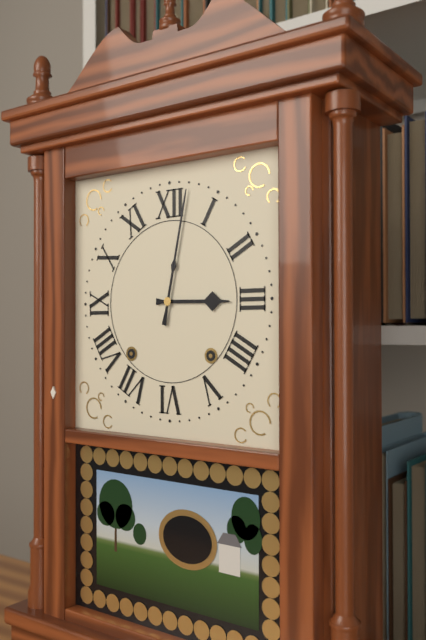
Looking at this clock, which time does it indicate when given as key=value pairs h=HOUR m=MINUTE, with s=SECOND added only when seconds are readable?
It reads h=3 m=2
